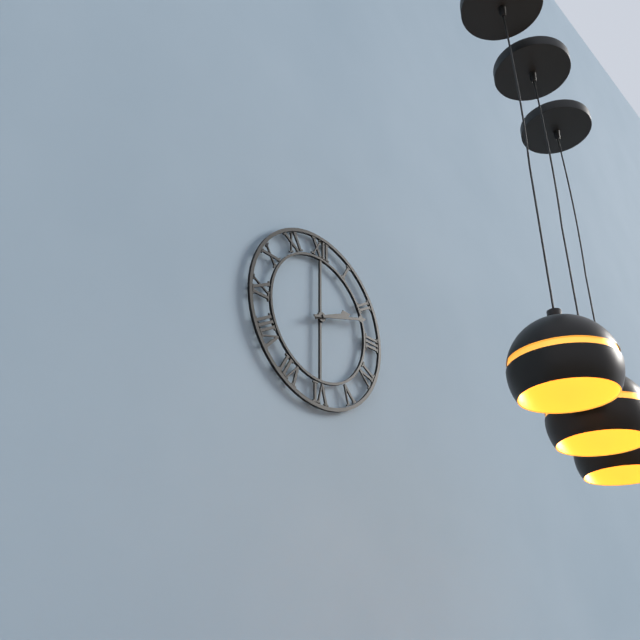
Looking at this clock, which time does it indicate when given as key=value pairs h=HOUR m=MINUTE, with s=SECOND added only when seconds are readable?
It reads h=2 m=12
